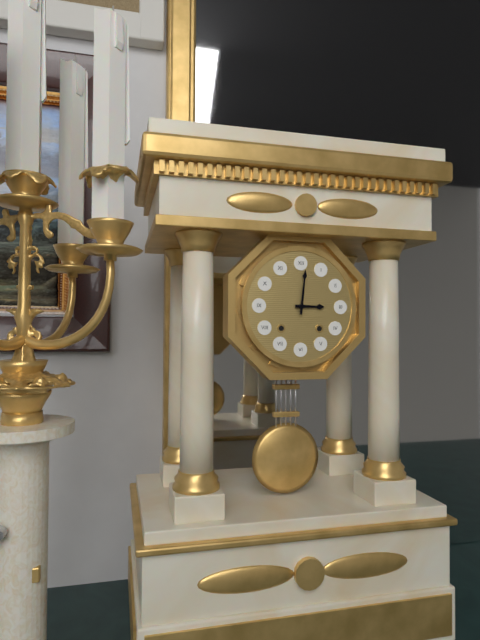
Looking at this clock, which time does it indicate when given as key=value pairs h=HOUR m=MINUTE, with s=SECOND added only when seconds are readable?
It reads h=3 m=1
